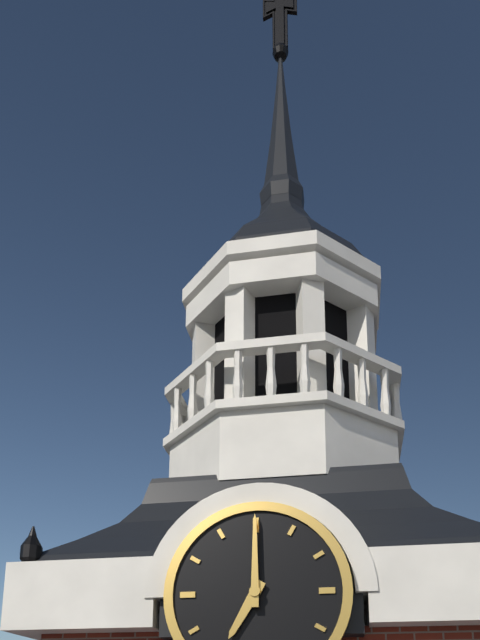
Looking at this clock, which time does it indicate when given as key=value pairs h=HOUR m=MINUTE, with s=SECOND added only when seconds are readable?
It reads h=7 m=0
